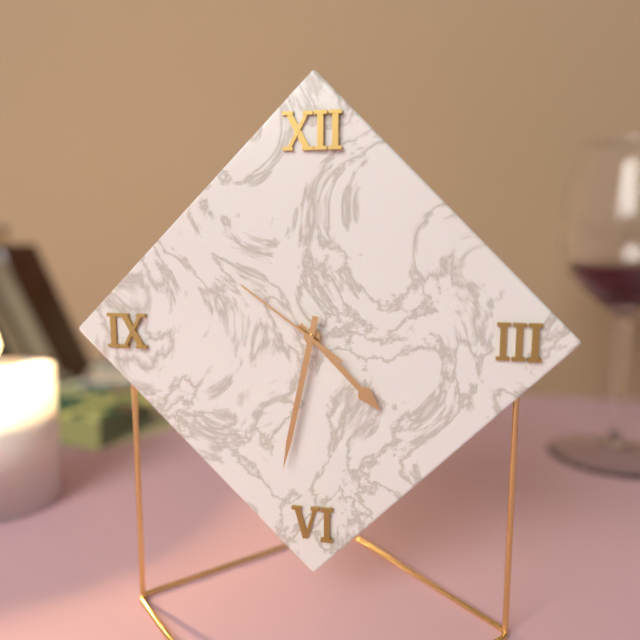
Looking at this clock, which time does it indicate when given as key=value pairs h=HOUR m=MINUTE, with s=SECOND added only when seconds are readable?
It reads h=4 m=32 s=51
